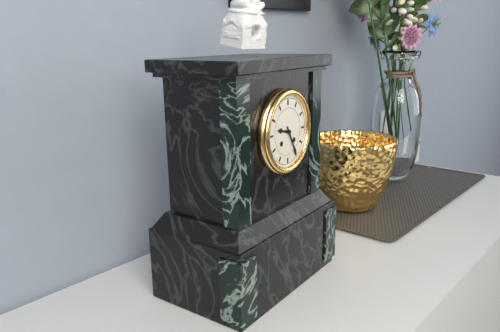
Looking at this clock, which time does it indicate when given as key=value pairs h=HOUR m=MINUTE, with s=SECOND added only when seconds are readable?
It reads h=9 m=25
